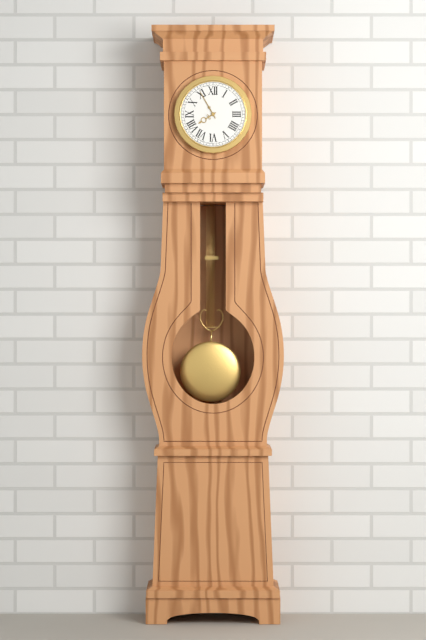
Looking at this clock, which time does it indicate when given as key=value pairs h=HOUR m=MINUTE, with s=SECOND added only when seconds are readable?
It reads h=7 m=55
